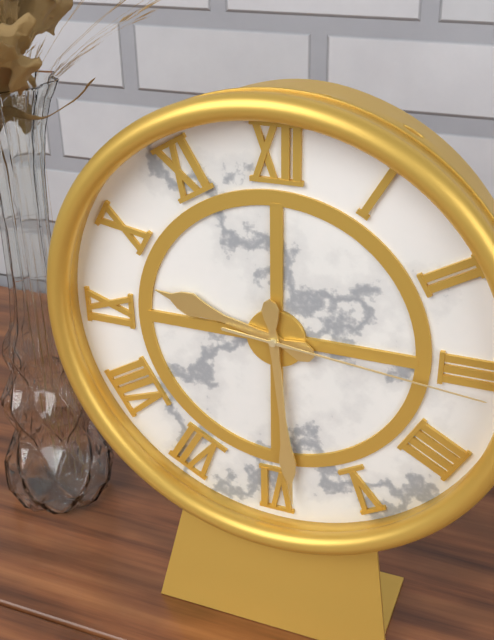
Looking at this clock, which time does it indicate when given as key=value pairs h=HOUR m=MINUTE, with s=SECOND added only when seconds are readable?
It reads h=9 m=29 s=16
